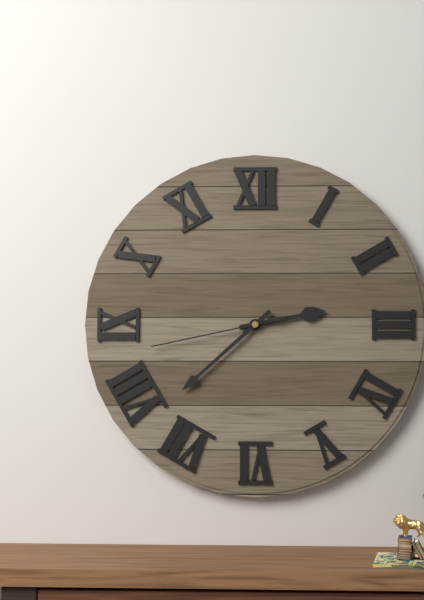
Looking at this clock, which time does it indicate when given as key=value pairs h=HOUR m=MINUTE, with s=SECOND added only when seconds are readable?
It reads h=2 m=38 s=43
